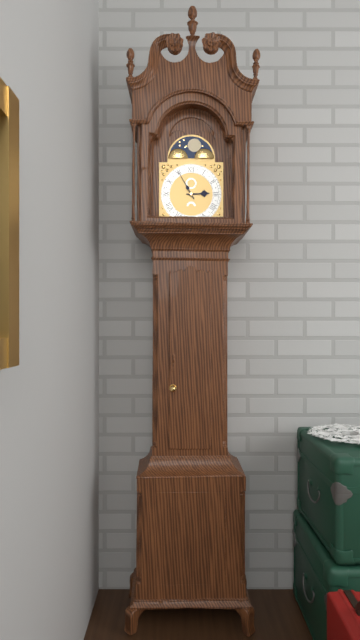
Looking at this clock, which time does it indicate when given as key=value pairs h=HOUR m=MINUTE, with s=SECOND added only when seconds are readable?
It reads h=2 m=55
